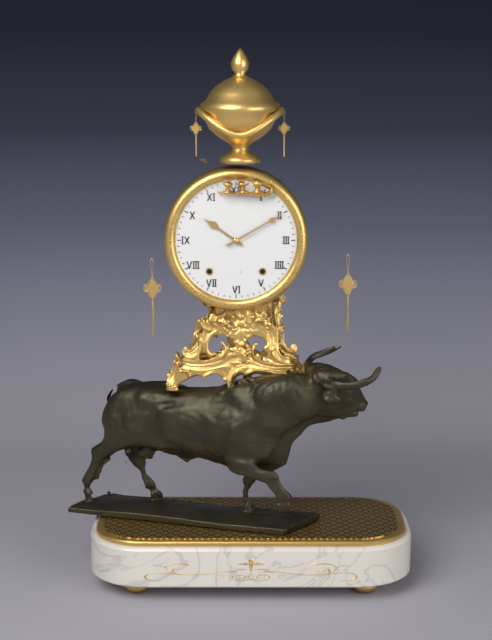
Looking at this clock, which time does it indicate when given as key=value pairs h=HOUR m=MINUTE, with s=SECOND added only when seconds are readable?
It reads h=10 m=10
